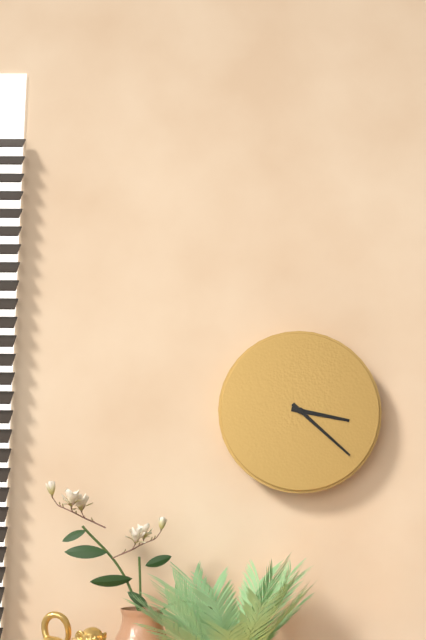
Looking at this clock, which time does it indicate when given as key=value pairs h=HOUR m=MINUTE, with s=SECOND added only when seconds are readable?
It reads h=3 m=22
